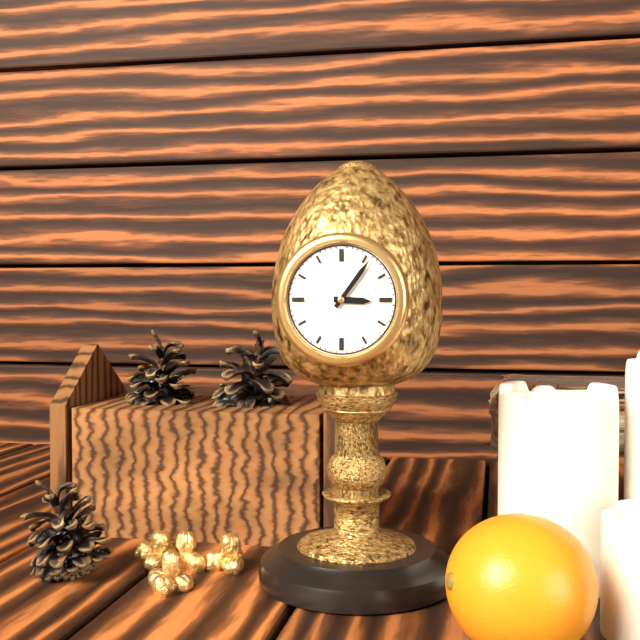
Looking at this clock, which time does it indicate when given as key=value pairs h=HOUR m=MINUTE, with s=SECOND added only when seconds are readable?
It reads h=3 m=6
